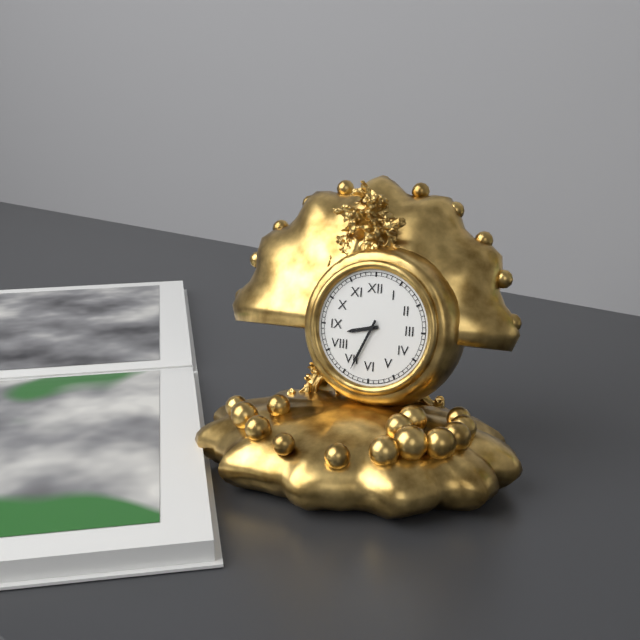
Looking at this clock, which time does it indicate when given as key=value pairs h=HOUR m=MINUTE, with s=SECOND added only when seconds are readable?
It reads h=8 m=34
